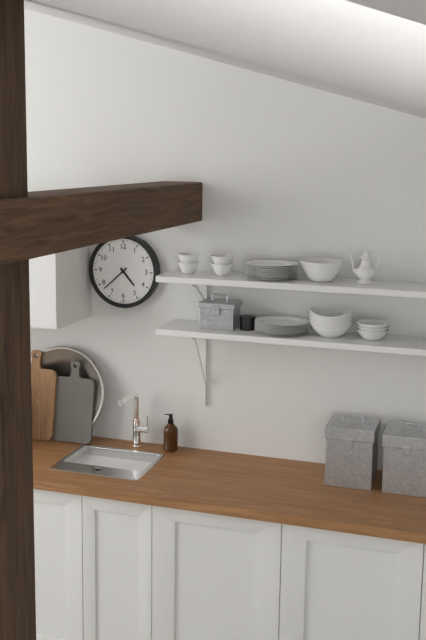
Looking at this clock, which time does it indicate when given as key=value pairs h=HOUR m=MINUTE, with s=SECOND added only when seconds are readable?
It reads h=4 m=38
